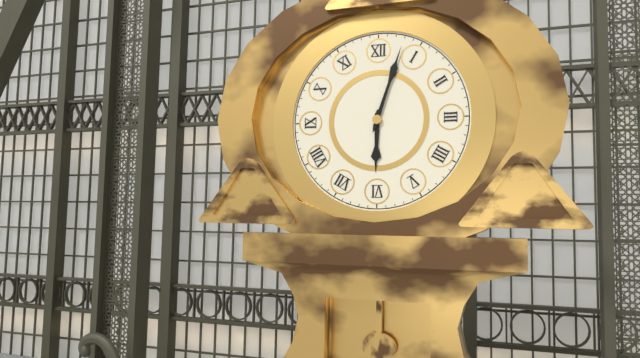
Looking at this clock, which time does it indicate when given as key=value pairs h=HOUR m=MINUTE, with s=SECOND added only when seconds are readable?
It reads h=6 m=3
